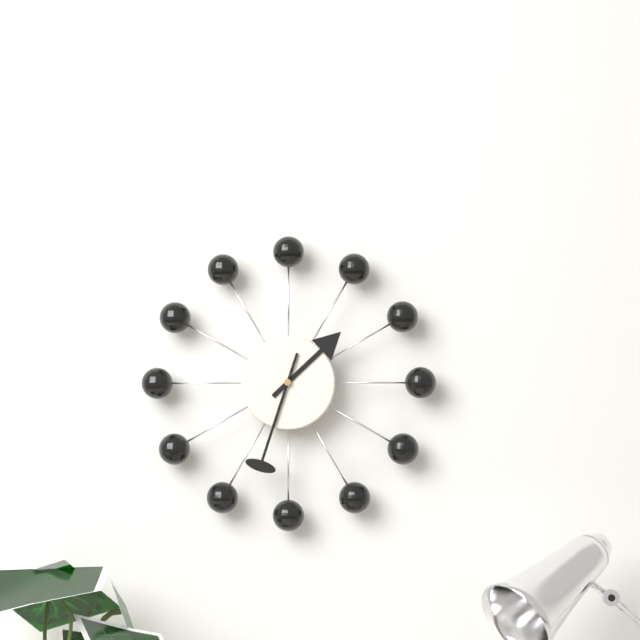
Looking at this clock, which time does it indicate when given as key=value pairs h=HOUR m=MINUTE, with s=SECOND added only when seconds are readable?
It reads h=1 m=33
